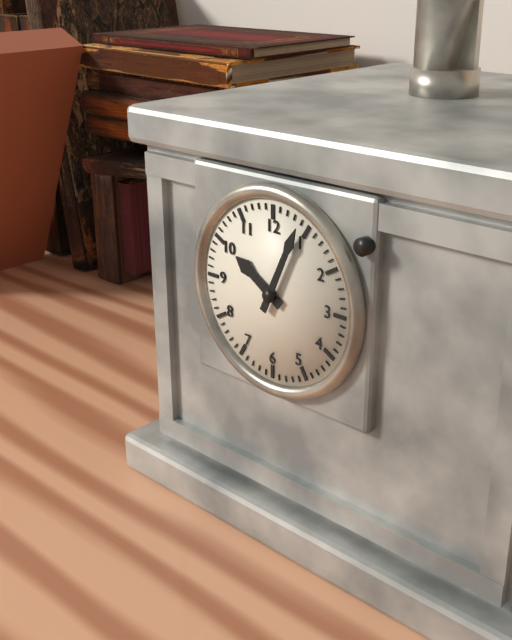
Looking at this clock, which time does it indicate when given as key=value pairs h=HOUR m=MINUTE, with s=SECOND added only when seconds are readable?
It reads h=10 m=4
